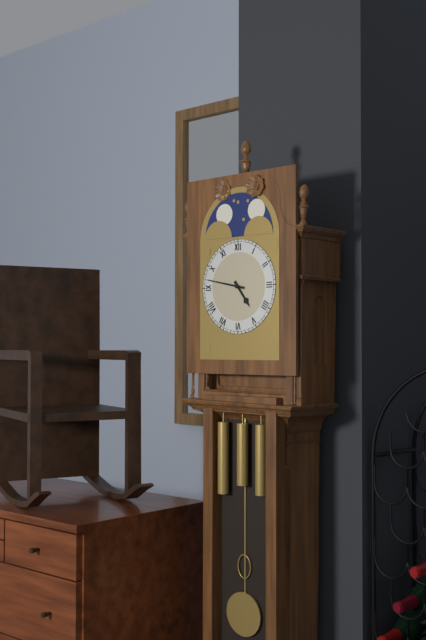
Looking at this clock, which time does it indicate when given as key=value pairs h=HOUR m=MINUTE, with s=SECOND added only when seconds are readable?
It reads h=4 m=47
